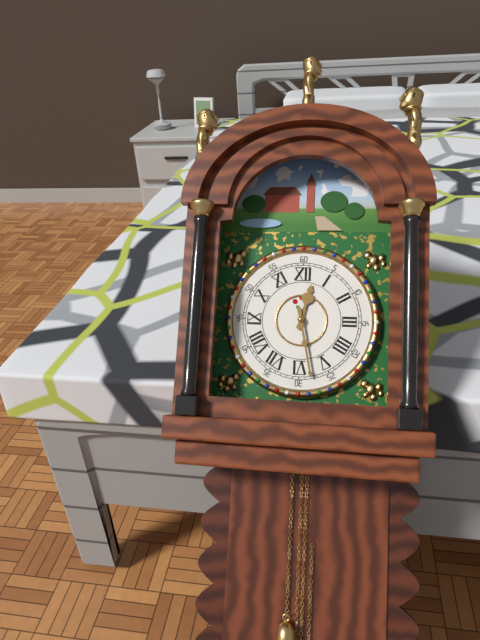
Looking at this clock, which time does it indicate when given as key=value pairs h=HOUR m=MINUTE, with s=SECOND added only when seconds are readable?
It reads h=12 m=28
